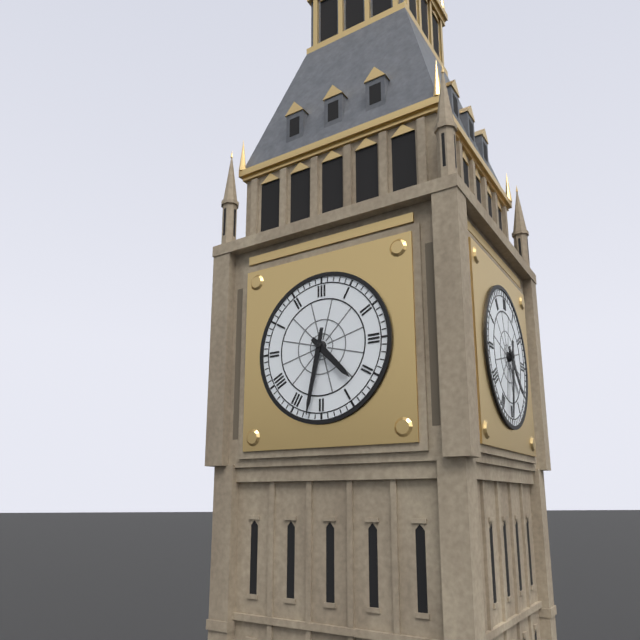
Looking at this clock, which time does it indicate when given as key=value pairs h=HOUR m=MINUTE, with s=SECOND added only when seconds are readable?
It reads h=4 m=32
